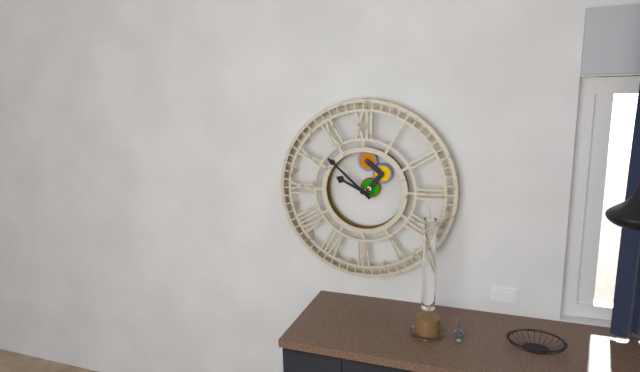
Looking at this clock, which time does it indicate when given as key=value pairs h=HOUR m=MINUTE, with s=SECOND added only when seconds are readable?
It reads h=9 m=52
